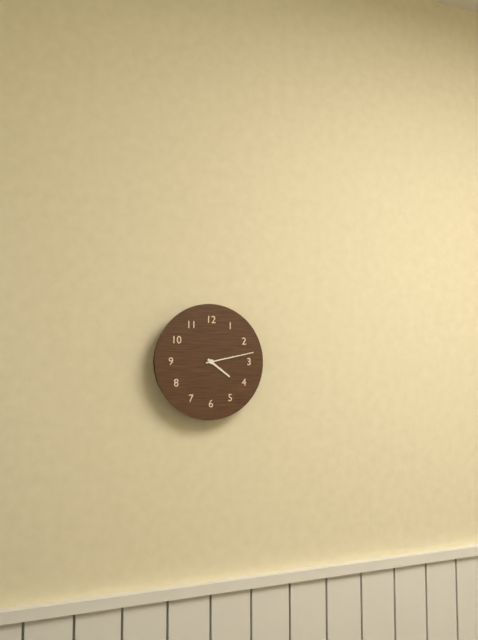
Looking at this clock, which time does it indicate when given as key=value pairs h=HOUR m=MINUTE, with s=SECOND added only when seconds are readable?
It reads h=4 m=13
